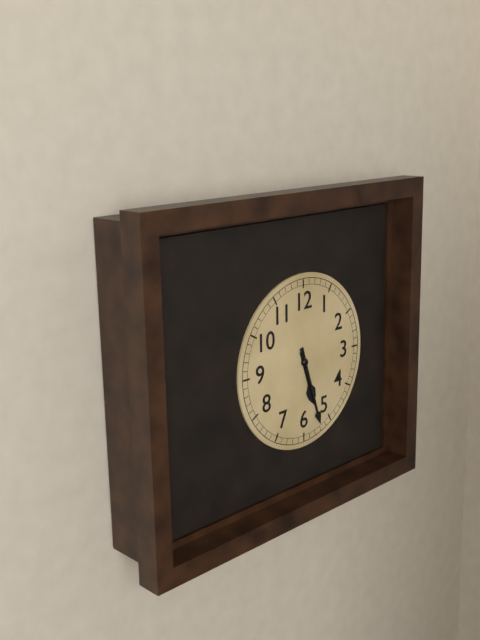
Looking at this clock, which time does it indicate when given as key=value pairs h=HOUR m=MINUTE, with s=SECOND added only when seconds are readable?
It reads h=5 m=27
